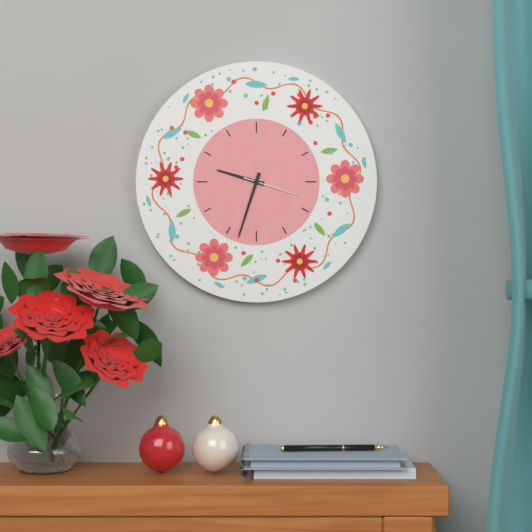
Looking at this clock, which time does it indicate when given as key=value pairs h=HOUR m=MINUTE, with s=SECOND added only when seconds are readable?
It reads h=9 m=33 s=18
